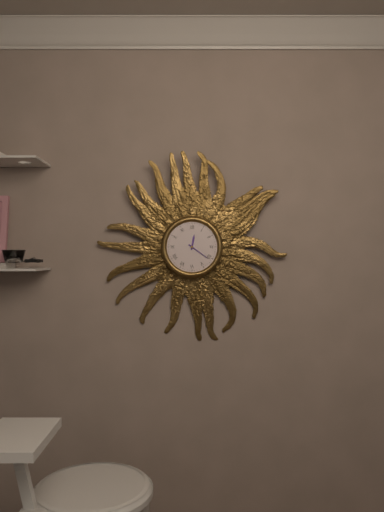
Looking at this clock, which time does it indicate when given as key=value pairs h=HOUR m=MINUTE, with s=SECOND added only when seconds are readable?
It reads h=12 m=21
